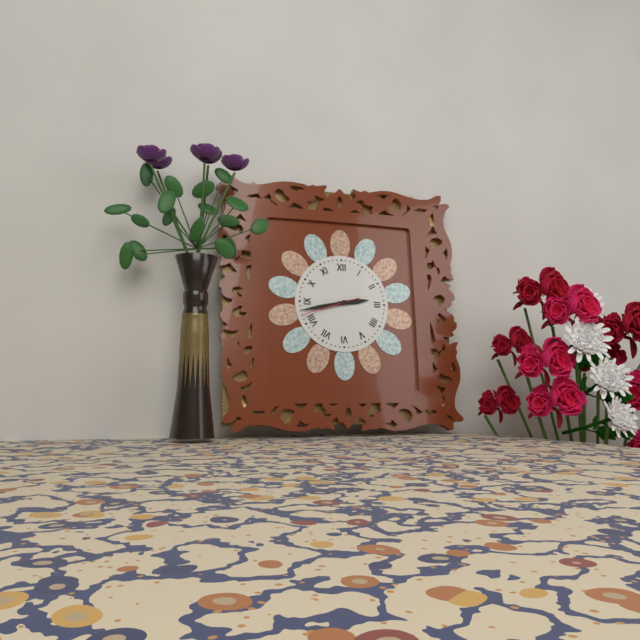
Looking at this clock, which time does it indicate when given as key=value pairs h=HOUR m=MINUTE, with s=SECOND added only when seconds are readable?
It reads h=2 m=43 s=42
